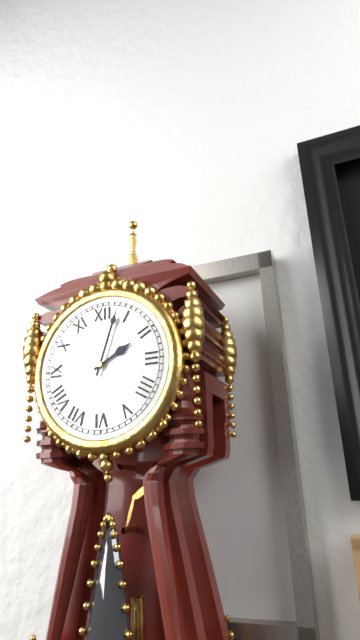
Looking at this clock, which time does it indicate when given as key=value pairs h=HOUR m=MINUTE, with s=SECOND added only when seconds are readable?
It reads h=2 m=3
